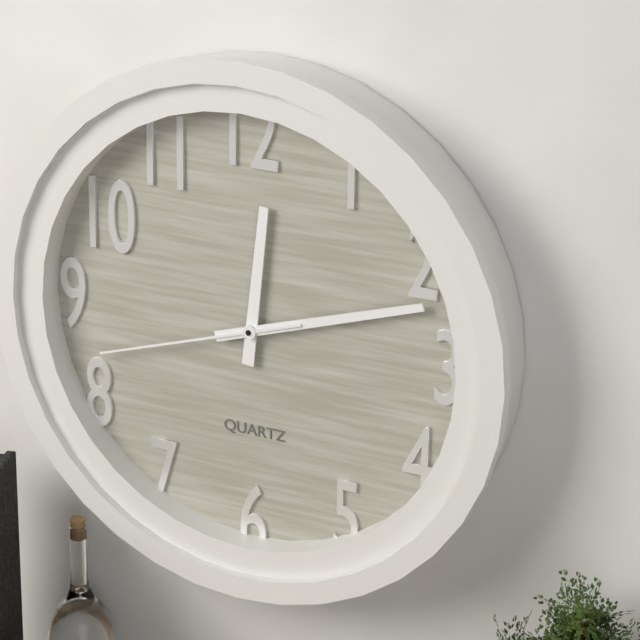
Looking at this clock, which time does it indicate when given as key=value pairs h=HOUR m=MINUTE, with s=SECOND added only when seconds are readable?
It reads h=12 m=12 s=42
